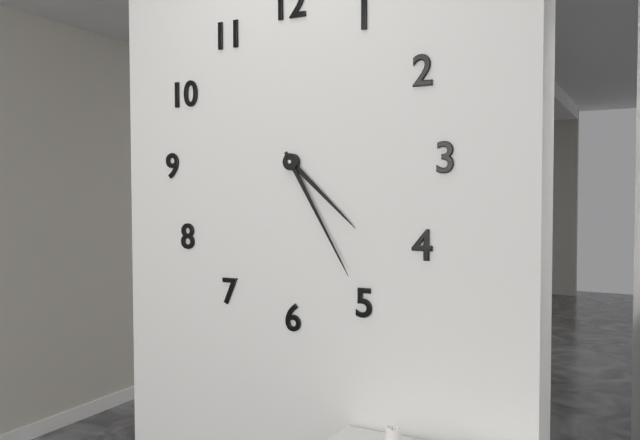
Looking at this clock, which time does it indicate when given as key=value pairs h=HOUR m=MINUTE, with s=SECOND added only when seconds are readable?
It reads h=4 m=25
